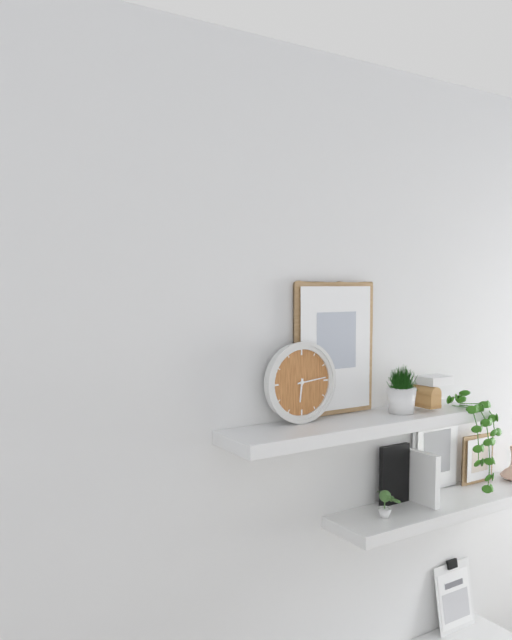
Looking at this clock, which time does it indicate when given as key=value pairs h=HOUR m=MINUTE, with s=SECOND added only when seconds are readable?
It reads h=6 m=14
